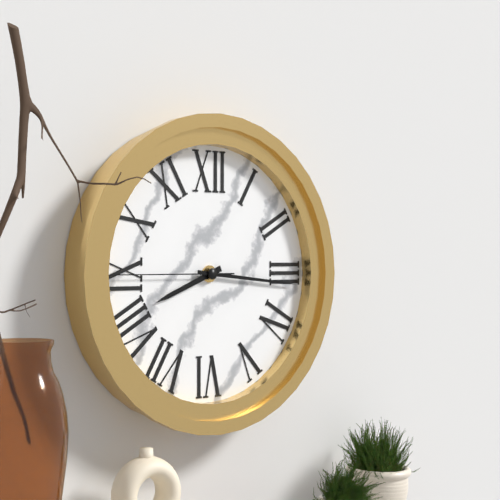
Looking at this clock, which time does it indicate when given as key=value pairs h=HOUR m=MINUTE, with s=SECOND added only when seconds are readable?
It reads h=8 m=16 s=45
